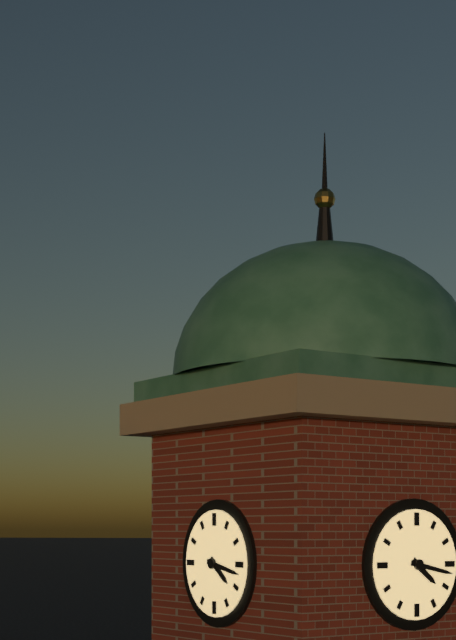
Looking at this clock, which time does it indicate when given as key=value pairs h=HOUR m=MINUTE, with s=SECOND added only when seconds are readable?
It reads h=4 m=17
